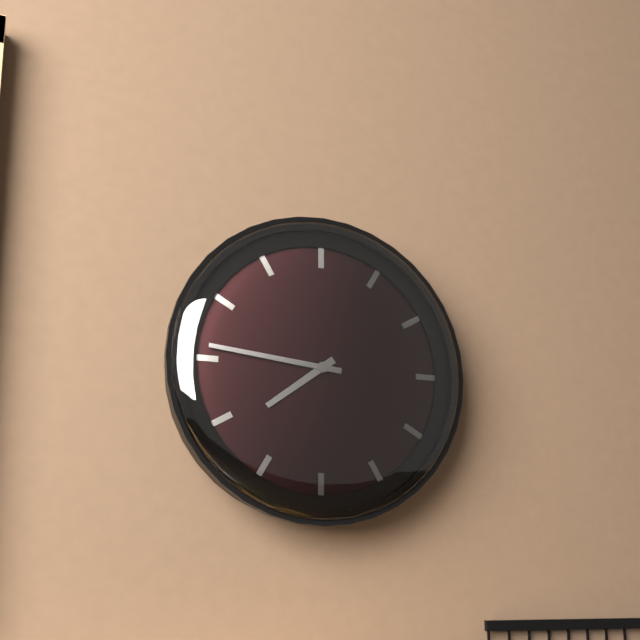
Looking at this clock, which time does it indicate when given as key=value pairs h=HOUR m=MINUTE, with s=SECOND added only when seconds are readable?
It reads h=7 m=46
